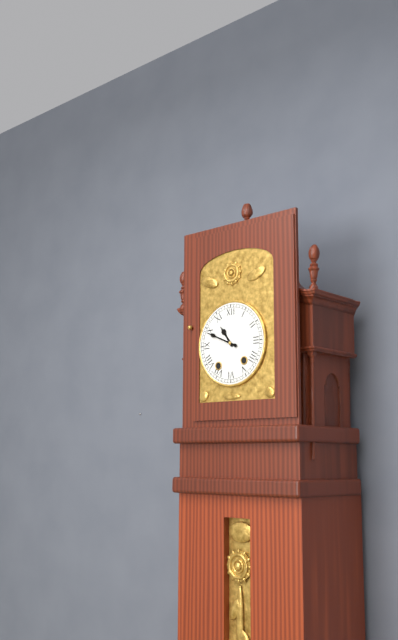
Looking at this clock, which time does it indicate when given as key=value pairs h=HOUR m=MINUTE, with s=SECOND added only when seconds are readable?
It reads h=10 m=49
